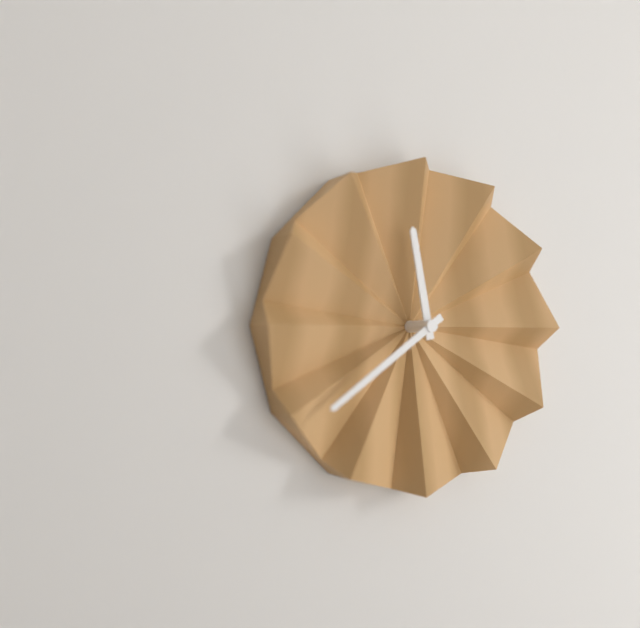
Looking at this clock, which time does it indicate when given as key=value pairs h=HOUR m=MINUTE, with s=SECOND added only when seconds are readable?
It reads h=11 m=39
